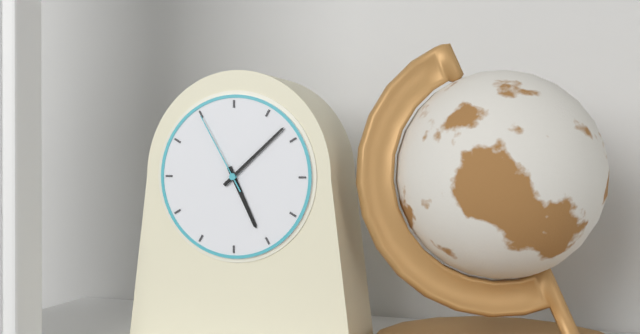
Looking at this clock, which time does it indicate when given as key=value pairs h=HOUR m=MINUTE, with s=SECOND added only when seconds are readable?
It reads h=5 m=8 s=55
